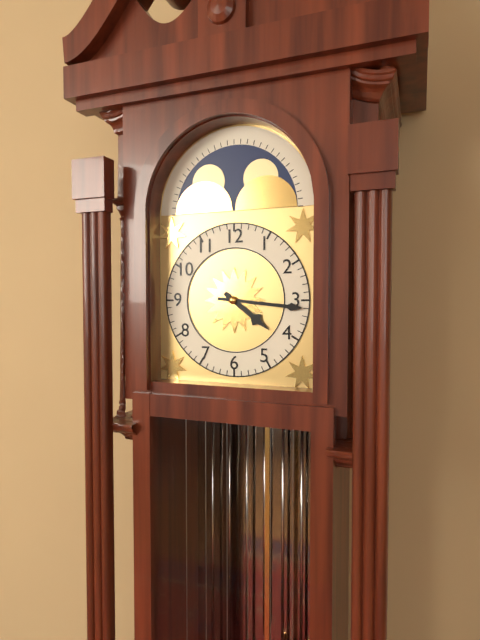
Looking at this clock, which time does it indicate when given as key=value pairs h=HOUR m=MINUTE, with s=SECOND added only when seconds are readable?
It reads h=4 m=16
